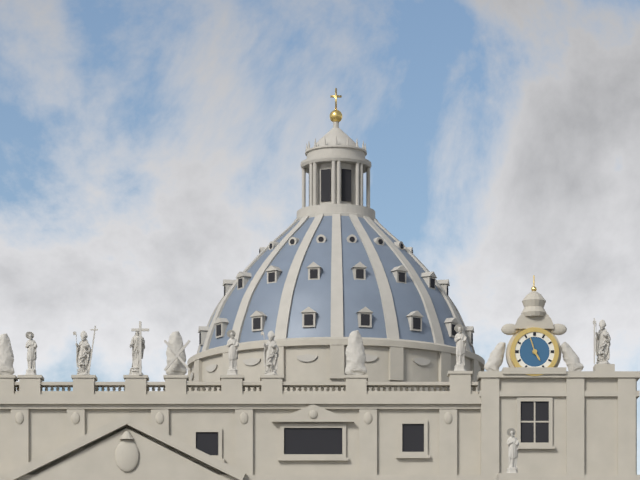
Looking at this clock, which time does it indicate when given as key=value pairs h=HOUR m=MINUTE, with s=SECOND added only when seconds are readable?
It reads h=4 m=57
